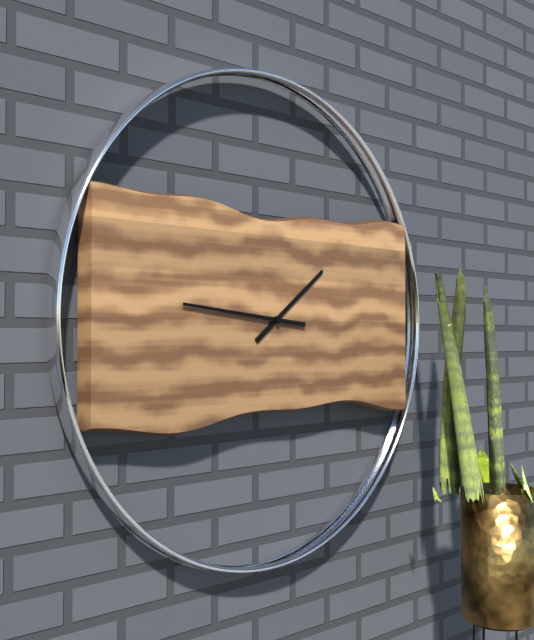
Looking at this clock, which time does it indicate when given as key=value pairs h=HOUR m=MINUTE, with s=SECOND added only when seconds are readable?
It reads h=1 m=46
